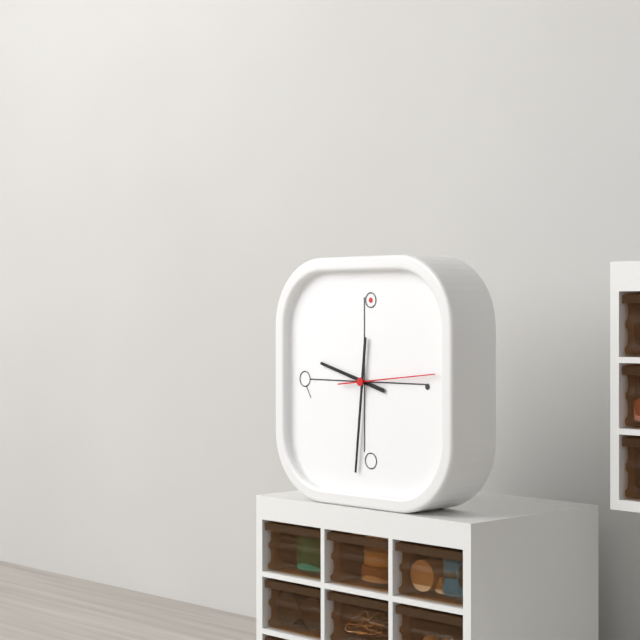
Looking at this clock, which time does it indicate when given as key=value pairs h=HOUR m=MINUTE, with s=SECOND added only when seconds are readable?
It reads h=9 m=31 s=14
